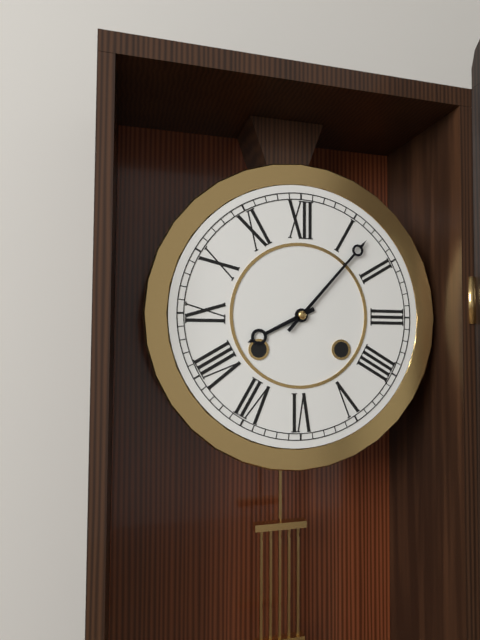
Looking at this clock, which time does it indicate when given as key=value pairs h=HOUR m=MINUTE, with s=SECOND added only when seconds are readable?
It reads h=8 m=7
